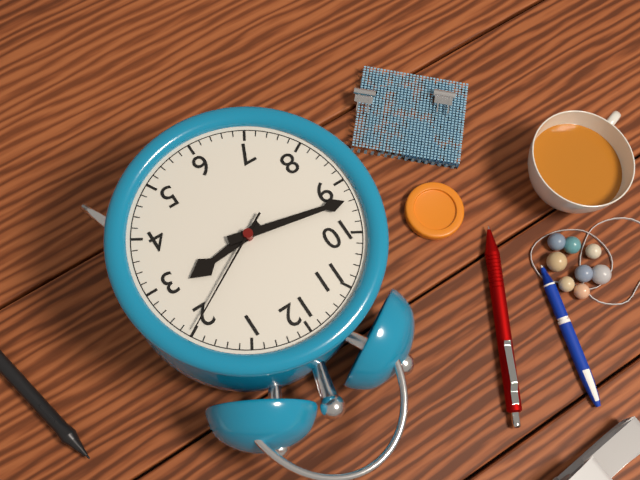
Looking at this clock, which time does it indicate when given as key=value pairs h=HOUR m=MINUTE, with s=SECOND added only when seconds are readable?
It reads h=2 m=47 s=10
